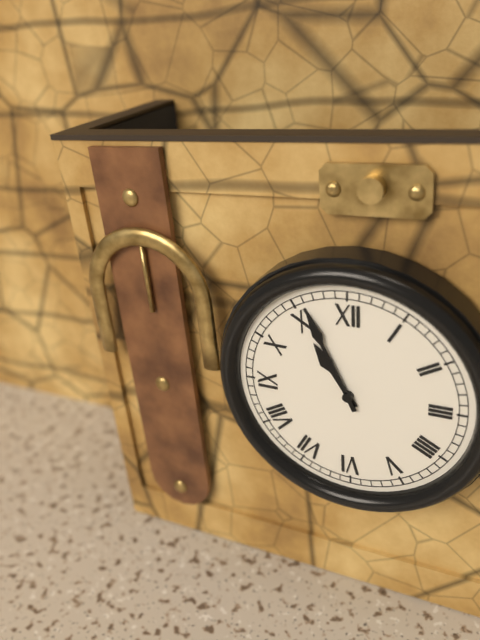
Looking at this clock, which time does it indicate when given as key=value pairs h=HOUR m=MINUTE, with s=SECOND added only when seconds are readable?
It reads h=10 m=56
